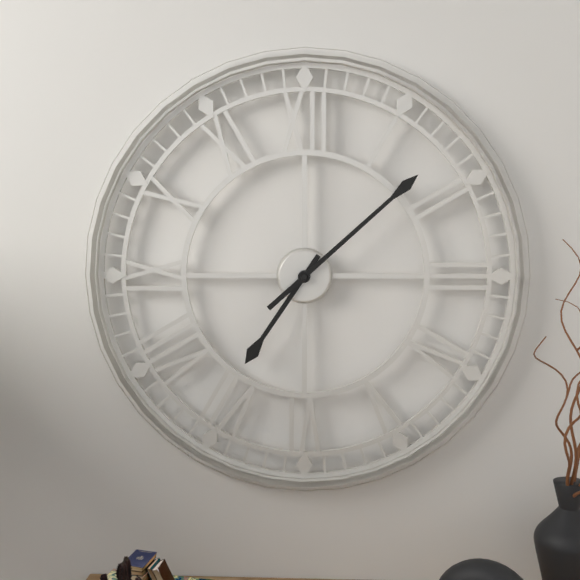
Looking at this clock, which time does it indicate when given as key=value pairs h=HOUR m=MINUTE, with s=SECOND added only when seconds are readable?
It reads h=7 m=8
